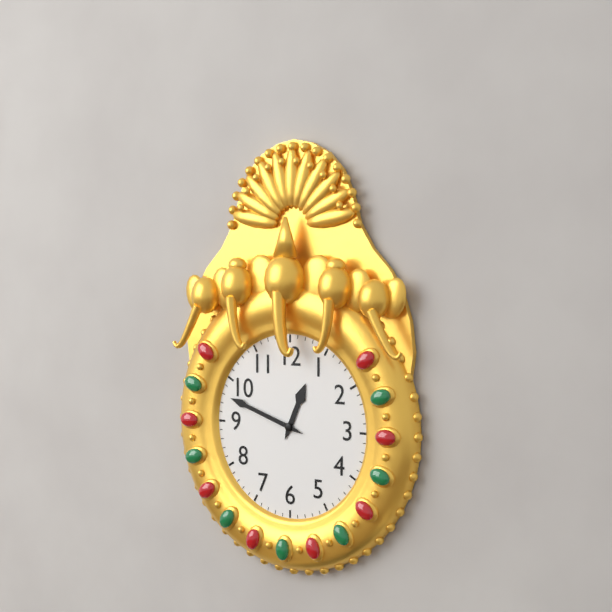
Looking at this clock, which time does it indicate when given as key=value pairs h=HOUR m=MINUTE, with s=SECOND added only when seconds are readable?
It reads h=12 m=48
